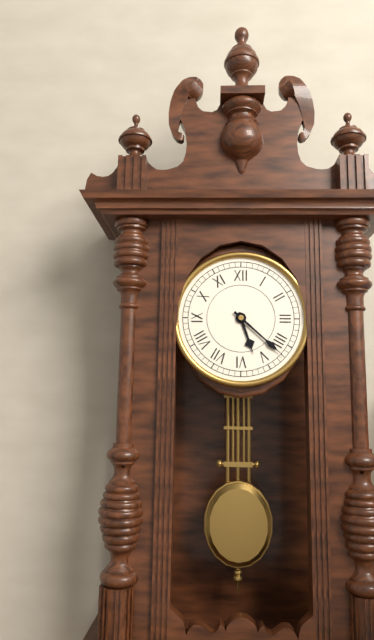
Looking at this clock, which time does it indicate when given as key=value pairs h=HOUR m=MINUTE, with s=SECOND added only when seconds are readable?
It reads h=5 m=22
